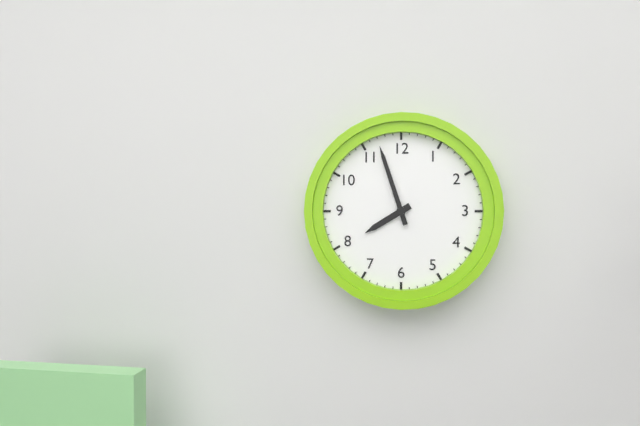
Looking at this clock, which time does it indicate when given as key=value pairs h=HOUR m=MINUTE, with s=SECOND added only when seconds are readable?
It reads h=7 m=57
